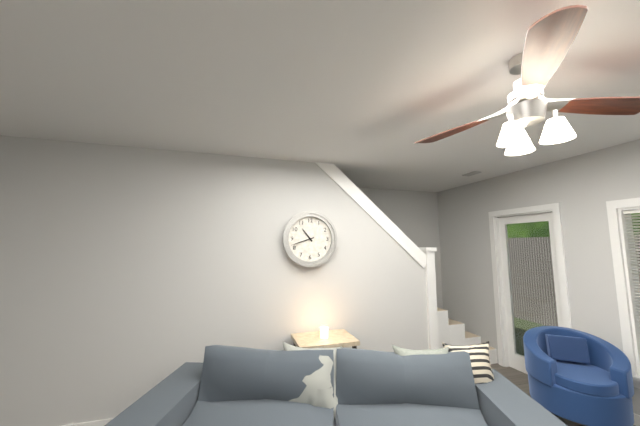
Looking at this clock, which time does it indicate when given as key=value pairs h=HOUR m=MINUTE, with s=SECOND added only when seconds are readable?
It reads h=10 m=42
